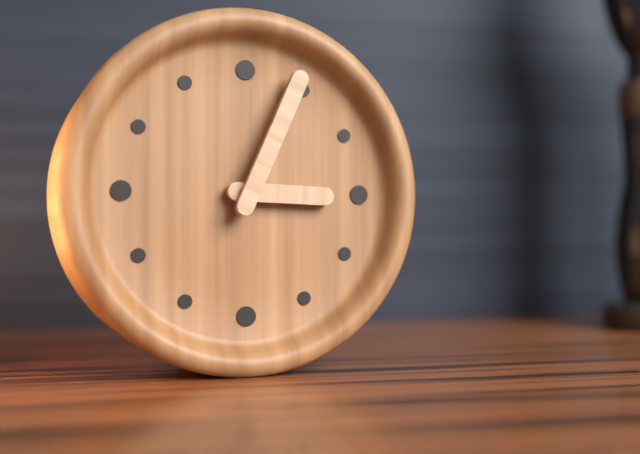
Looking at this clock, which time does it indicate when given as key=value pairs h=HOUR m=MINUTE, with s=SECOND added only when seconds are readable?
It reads h=3 m=4
